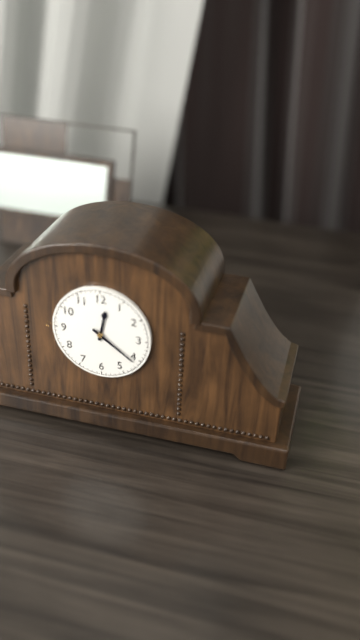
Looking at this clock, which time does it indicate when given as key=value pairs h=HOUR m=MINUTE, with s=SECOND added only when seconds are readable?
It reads h=12 m=21
